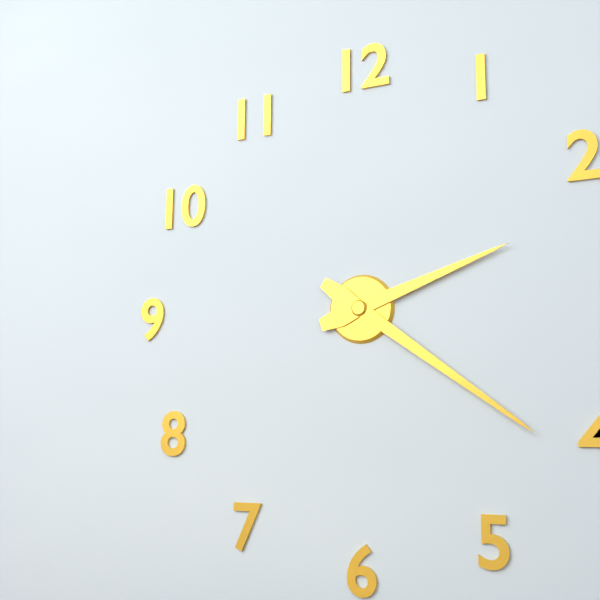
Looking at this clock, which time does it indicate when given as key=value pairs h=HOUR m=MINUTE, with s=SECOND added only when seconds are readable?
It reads h=2 m=21
